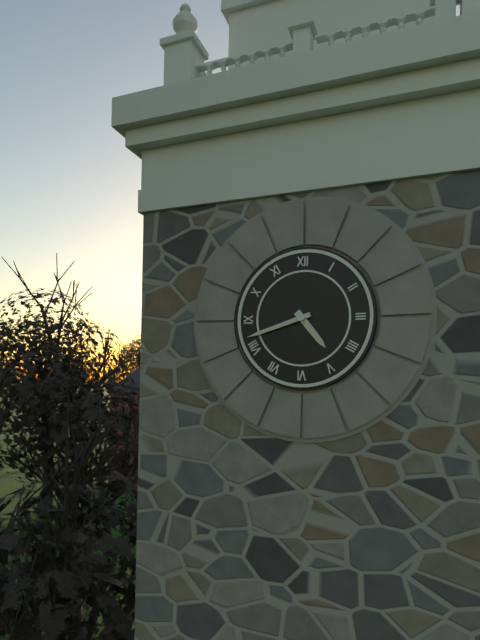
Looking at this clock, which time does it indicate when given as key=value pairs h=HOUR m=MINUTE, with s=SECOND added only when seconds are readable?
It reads h=4 m=42
